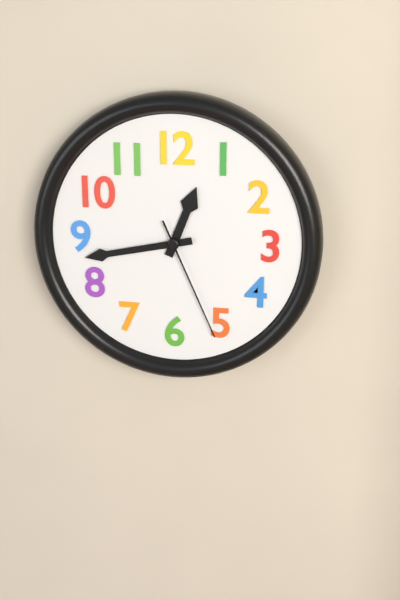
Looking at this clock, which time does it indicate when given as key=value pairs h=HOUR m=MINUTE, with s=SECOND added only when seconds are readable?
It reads h=12 m=43 s=26
